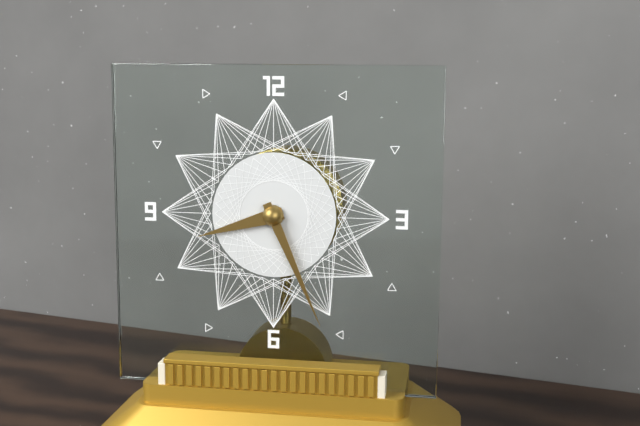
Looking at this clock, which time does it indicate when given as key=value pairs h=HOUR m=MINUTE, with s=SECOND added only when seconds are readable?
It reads h=8 m=26
